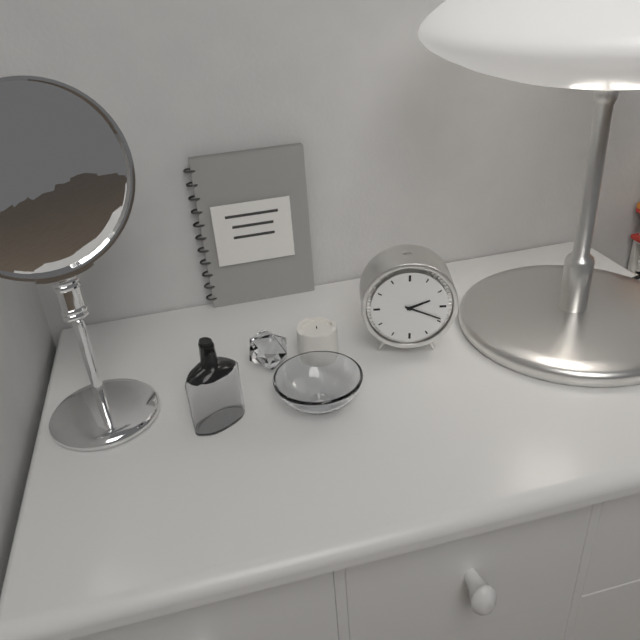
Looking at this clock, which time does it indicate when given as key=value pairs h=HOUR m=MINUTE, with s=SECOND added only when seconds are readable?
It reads h=2 m=19
